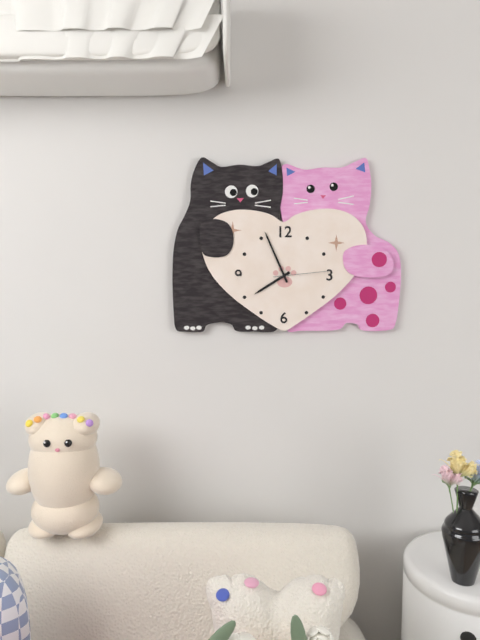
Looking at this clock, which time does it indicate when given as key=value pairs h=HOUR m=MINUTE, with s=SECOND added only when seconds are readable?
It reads h=7 m=56 s=14
